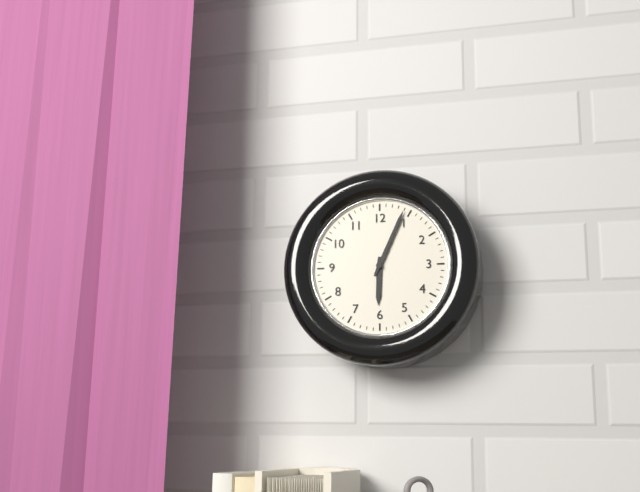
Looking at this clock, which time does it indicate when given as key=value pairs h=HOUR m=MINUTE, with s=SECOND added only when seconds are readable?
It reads h=6 m=4
